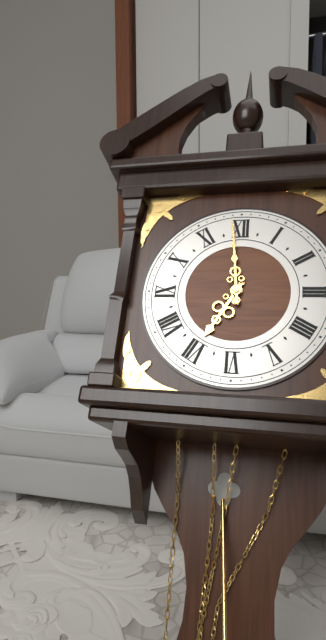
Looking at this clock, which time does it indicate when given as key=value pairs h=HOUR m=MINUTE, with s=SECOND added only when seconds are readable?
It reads h=6 m=59
